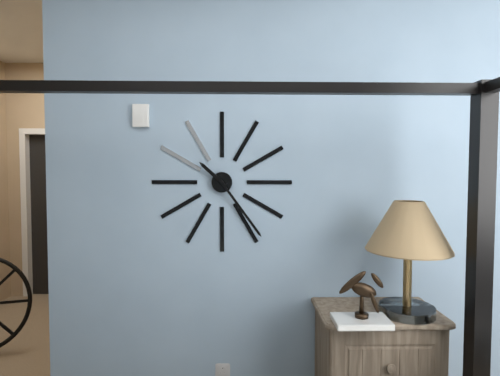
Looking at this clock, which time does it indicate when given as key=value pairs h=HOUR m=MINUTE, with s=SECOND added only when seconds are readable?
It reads h=10 m=24
